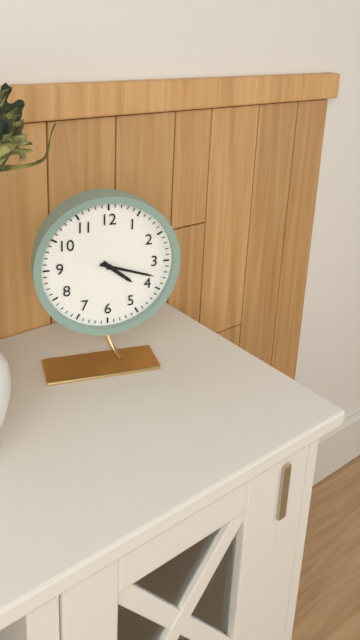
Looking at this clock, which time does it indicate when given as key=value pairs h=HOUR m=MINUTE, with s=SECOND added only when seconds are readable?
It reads h=4 m=18
